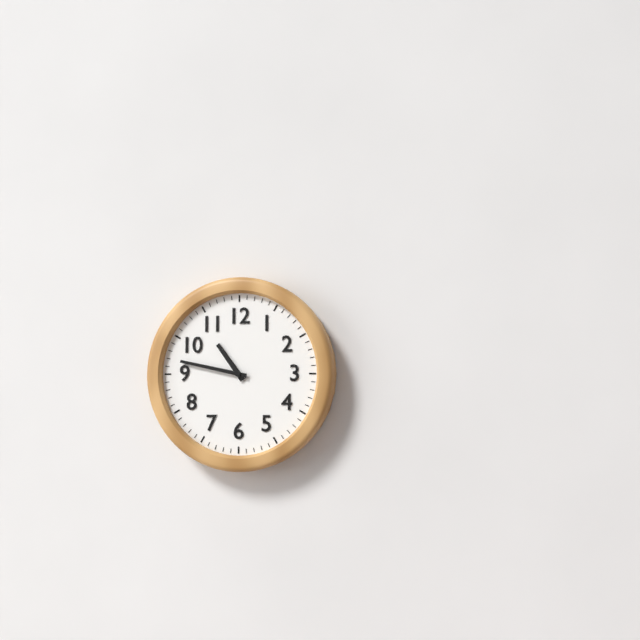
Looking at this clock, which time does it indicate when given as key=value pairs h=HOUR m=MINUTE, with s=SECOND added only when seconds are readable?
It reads h=10 m=47
